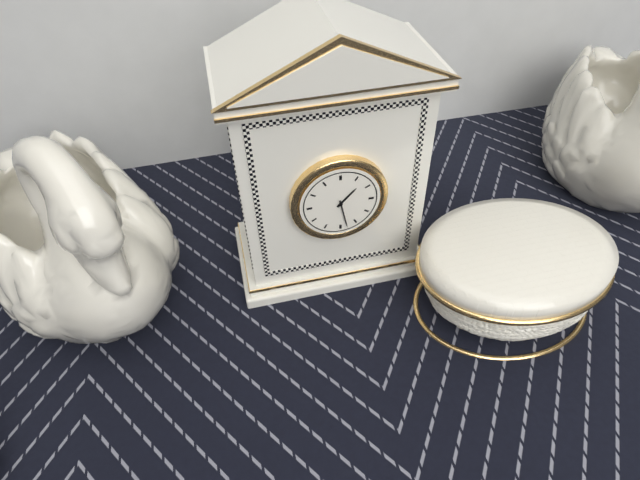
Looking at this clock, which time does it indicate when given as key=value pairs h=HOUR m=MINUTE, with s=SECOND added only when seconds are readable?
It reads h=1 m=28
